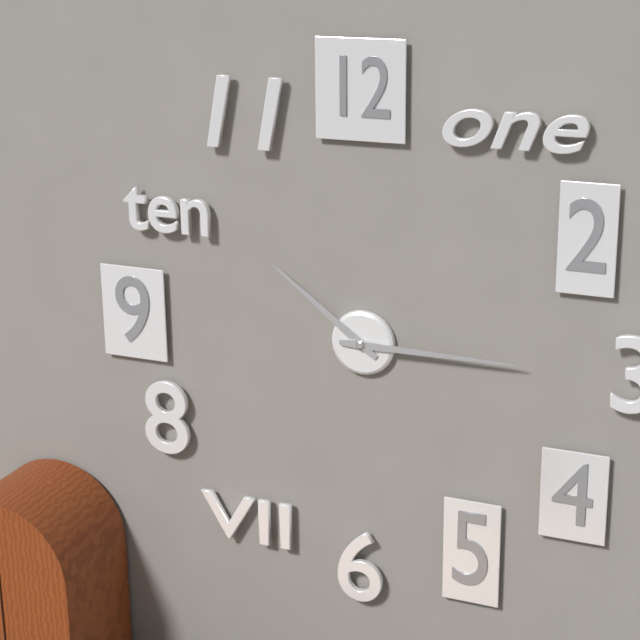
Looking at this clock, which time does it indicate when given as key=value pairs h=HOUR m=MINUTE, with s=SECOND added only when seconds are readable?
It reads h=10 m=15
